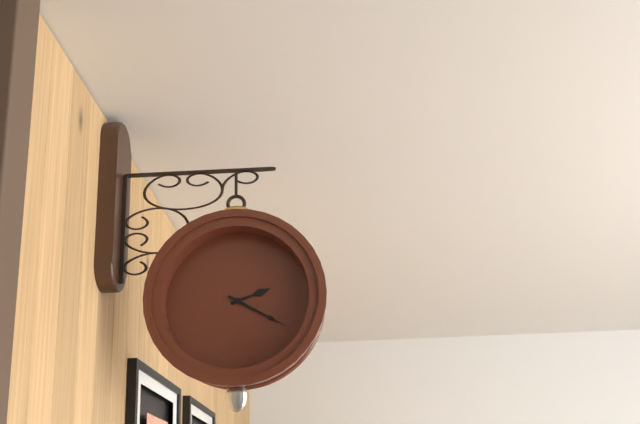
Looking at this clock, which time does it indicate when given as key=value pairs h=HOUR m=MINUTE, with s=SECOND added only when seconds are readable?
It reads h=2 m=20
